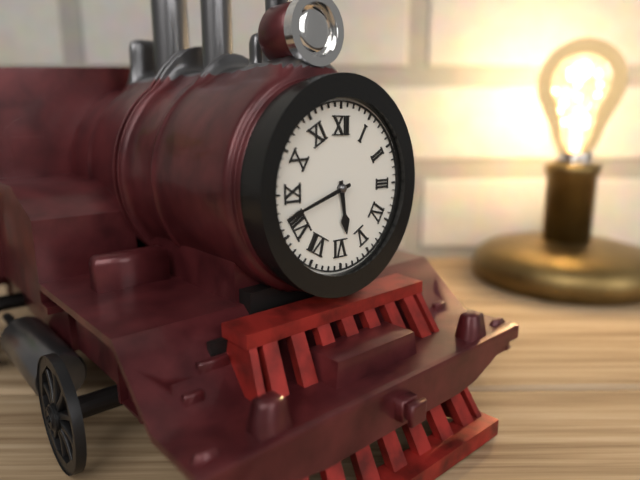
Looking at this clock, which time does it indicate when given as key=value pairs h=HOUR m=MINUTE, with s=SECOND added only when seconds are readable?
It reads h=5 m=42
